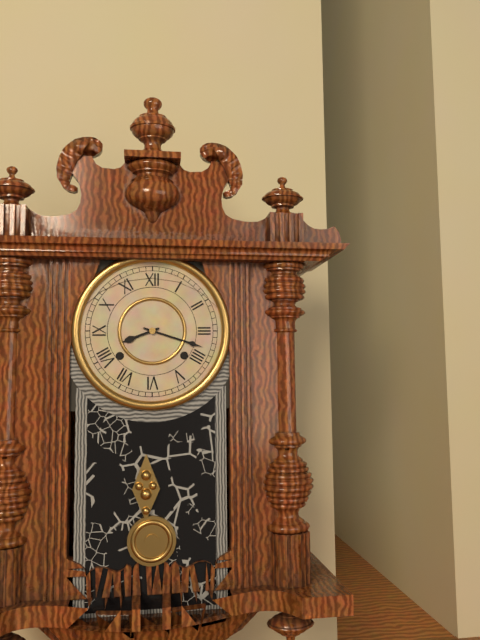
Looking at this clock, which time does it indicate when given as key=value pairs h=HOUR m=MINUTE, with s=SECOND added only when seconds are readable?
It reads h=8 m=18
